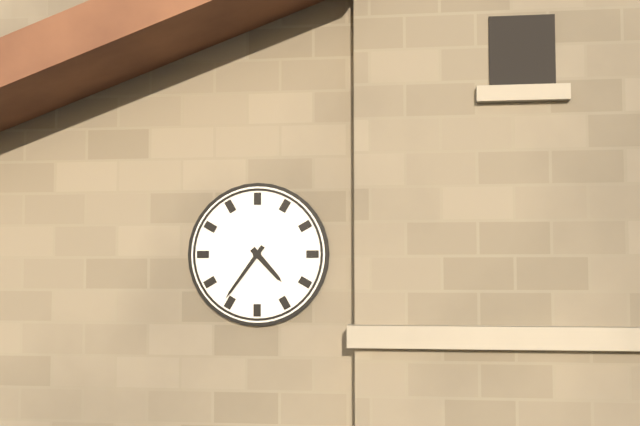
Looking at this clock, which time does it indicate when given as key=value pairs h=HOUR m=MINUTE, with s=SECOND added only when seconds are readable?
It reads h=4 m=36
